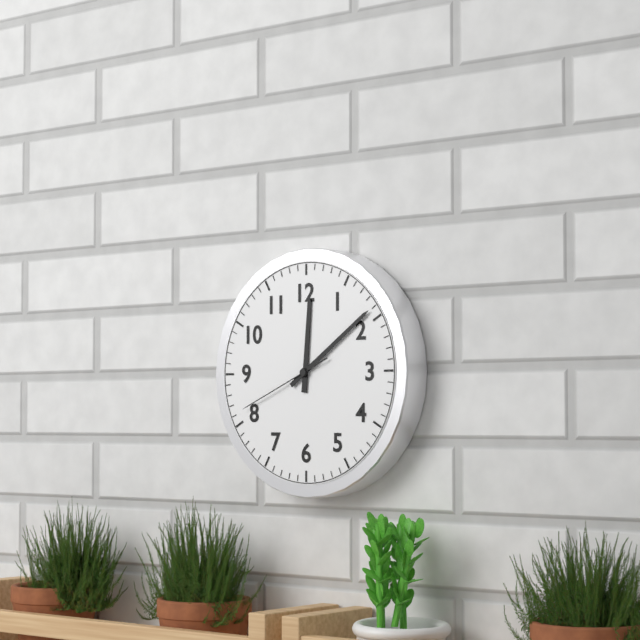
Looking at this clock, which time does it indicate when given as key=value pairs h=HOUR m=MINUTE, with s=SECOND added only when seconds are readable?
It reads h=12 m=9 s=41
